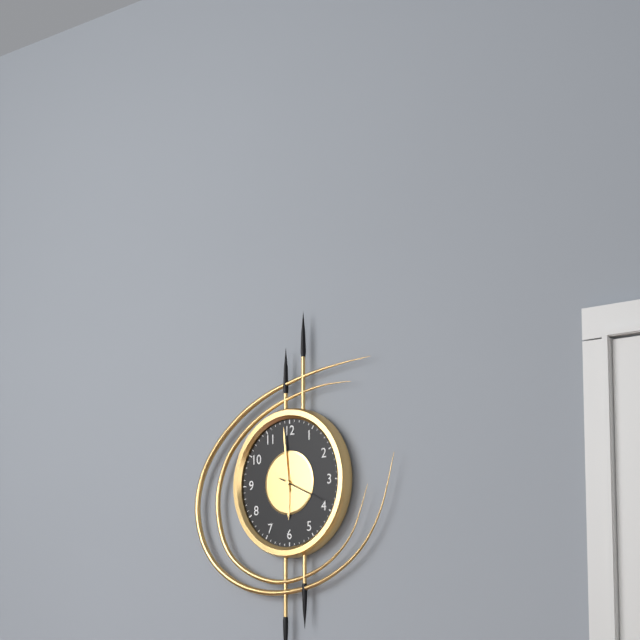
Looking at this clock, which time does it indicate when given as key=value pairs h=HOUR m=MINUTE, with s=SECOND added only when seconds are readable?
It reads h=5 m=59 s=19
